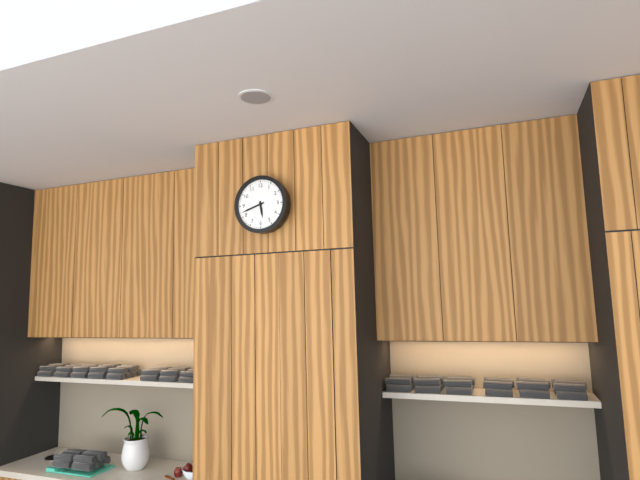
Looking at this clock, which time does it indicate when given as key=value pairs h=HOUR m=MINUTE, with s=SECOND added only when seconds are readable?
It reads h=5 m=42
